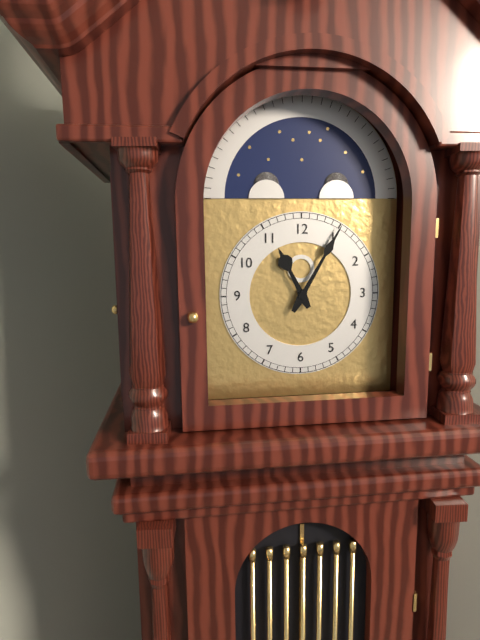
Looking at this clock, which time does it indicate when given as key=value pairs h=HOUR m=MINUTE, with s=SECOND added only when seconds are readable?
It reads h=11 m=5
